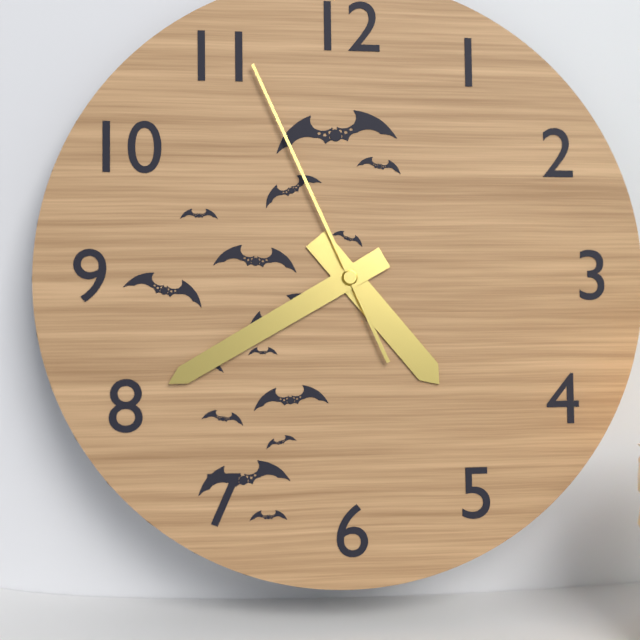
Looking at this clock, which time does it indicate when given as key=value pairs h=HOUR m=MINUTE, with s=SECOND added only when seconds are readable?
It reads h=4 m=40 s=56
